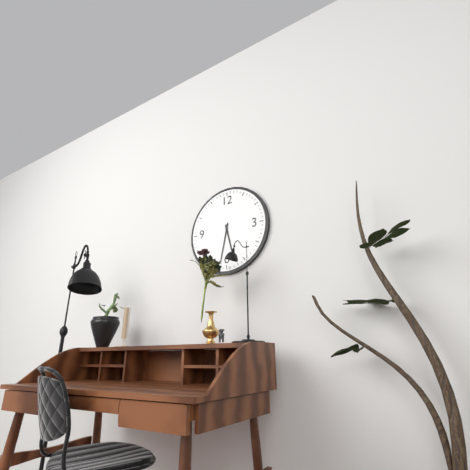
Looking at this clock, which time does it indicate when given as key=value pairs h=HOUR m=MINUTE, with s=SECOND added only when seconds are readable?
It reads h=5 m=32
